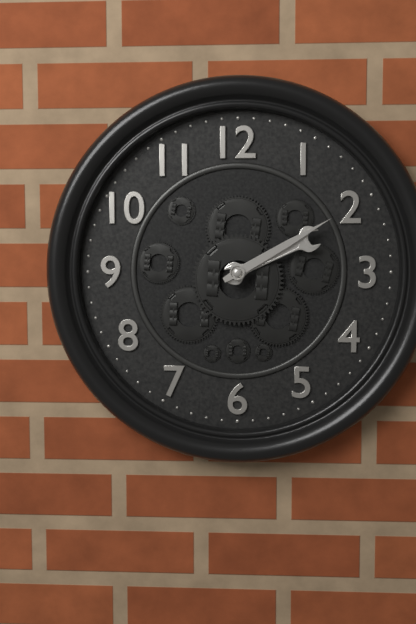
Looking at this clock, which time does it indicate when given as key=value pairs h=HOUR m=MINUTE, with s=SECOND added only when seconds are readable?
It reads h=2 m=10
